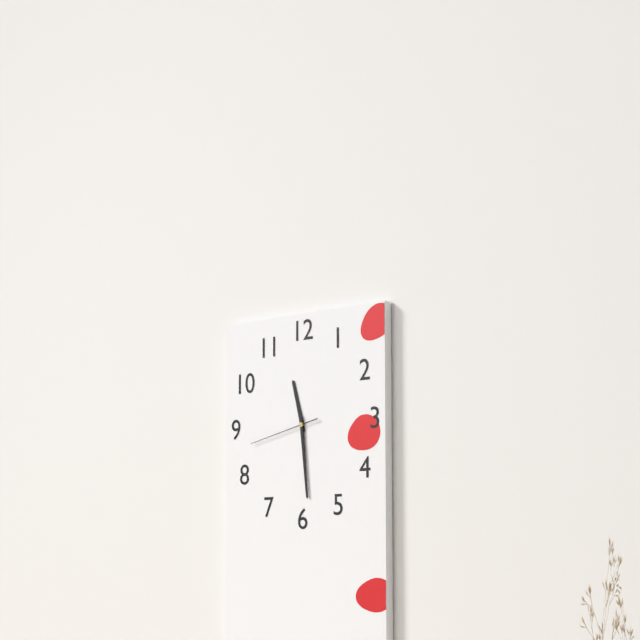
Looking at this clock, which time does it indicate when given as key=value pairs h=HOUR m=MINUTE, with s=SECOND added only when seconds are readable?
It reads h=11 m=29 s=43
